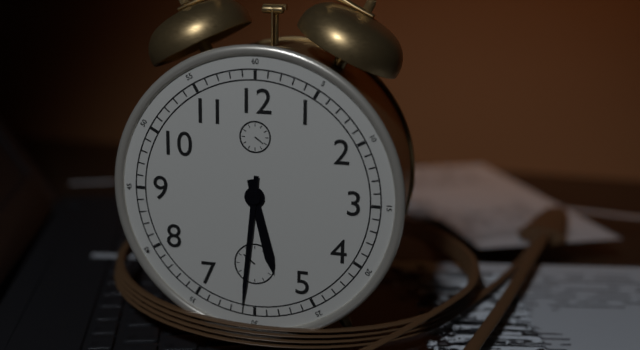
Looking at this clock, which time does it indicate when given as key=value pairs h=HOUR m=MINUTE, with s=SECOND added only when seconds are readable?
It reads h=5 m=31
